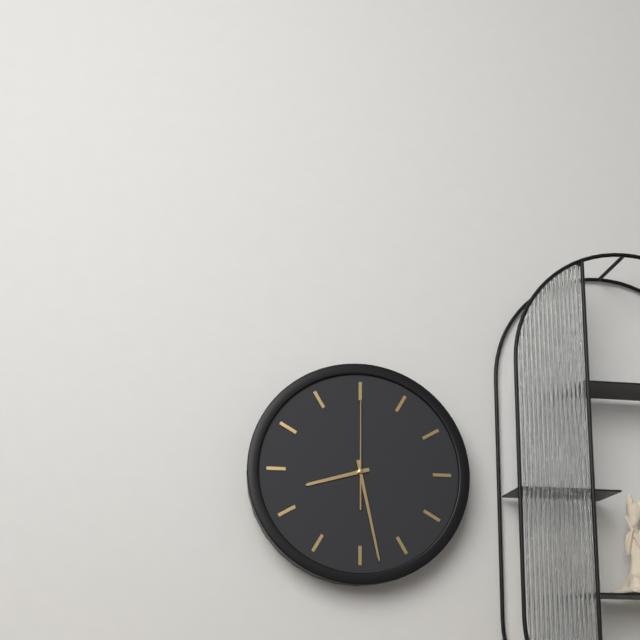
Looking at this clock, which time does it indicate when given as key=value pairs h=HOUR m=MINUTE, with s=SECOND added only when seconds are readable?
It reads h=8 m=28 s=0
